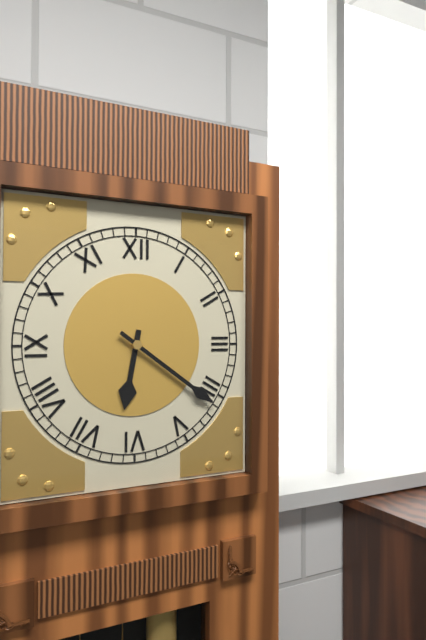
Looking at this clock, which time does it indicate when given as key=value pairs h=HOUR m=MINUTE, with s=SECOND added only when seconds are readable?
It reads h=6 m=21
